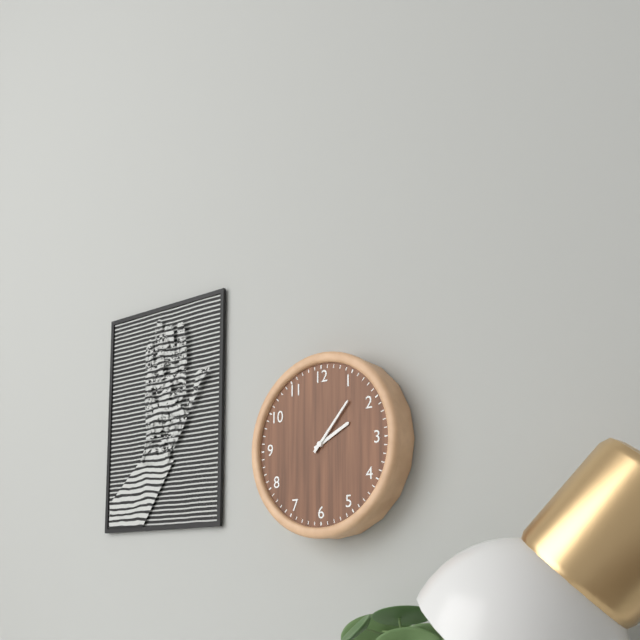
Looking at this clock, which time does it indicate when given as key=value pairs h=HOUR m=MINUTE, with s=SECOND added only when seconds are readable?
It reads h=2 m=7
